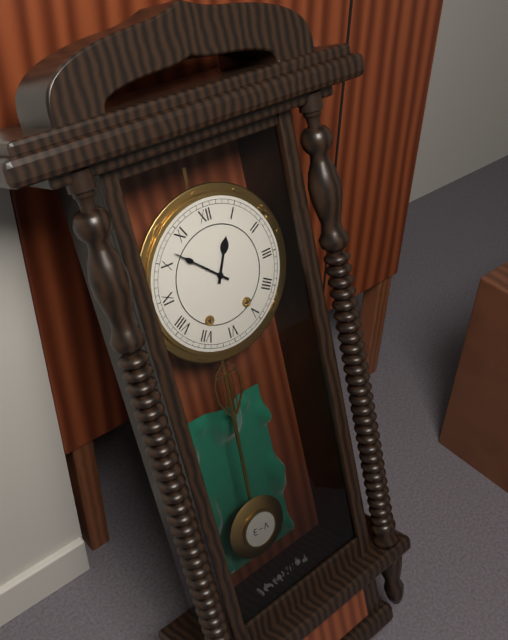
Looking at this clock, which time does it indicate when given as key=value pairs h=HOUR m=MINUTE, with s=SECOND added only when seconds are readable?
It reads h=12 m=52
